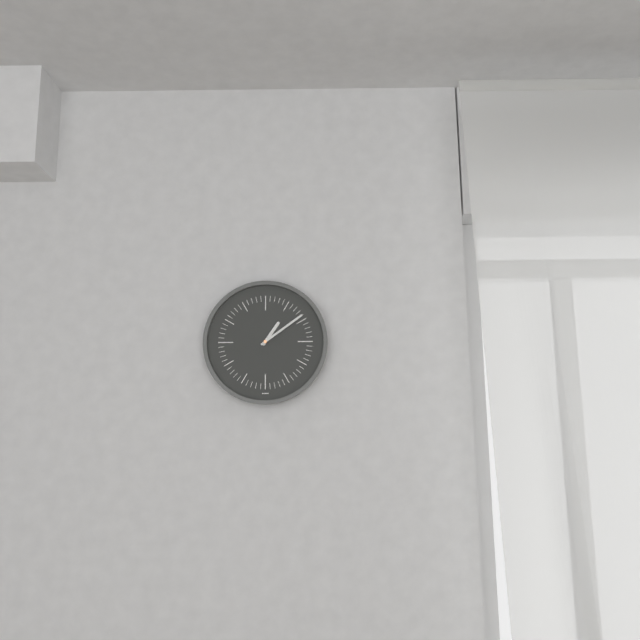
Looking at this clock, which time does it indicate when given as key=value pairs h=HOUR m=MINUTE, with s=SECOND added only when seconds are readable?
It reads h=1 m=9
